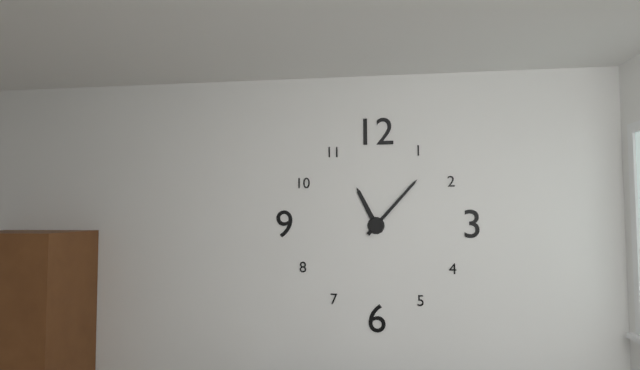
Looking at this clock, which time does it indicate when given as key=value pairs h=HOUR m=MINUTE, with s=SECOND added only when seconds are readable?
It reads h=11 m=7
